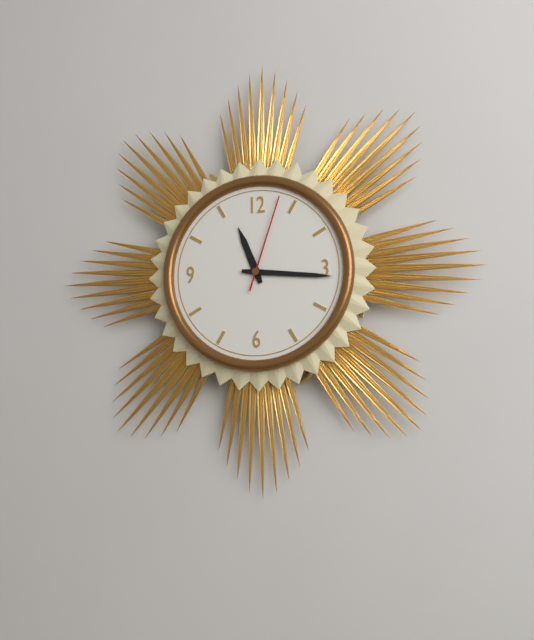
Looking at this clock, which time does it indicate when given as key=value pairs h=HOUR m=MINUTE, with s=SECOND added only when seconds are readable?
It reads h=11 m=16 s=3
